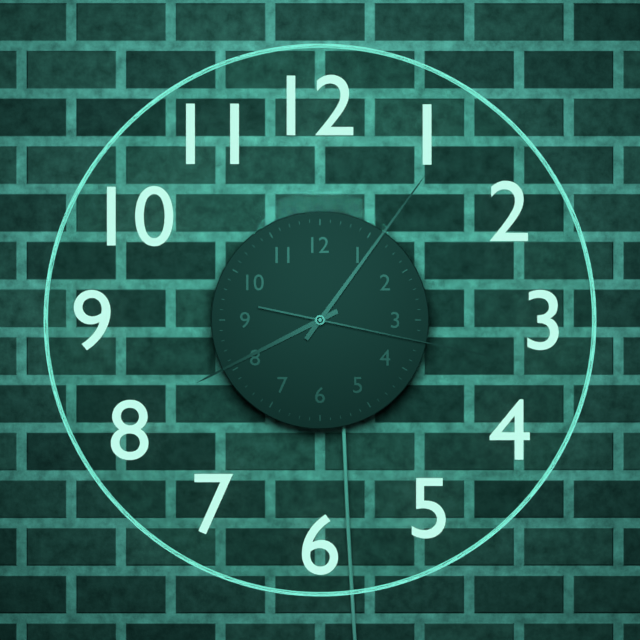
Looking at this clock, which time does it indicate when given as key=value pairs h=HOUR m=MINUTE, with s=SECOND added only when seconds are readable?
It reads h=8 m=6 s=17
